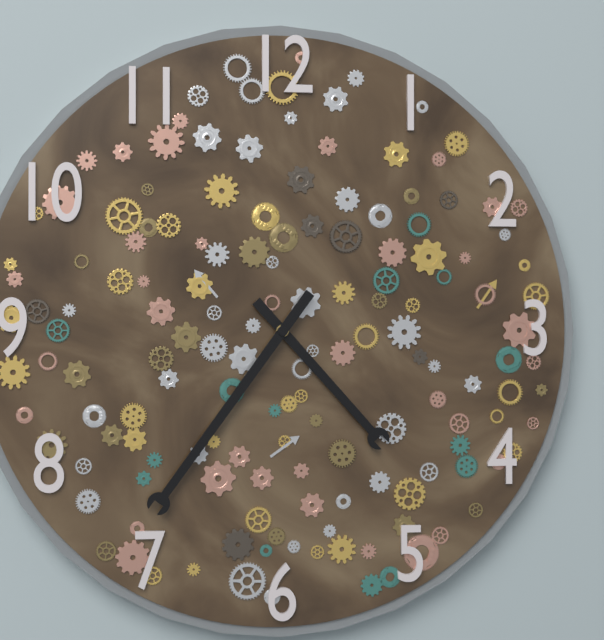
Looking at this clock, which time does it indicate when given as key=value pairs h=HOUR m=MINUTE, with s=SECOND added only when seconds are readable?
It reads h=4 m=36
